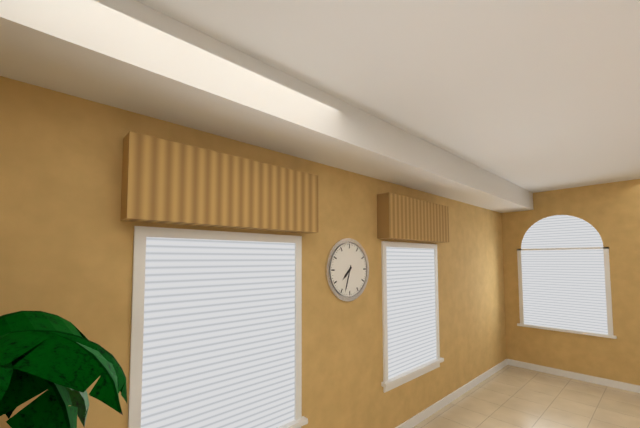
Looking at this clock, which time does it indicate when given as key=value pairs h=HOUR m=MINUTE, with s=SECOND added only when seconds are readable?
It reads h=7 m=33
